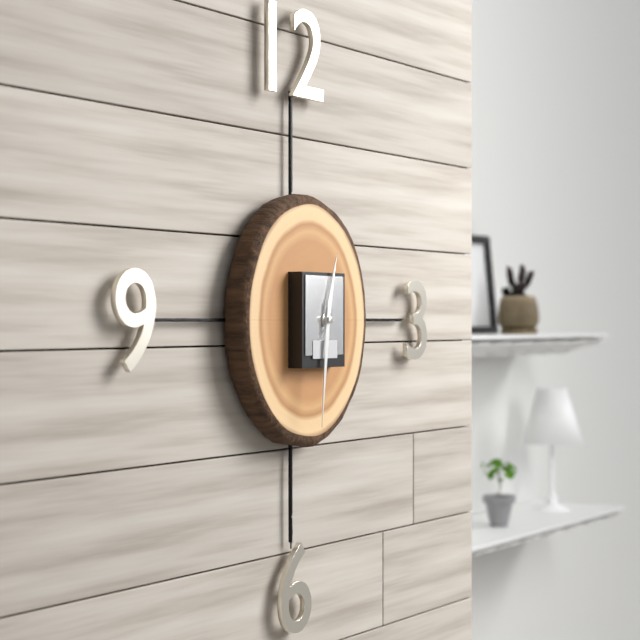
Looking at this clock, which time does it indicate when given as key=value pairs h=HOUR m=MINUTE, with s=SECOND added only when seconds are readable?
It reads h=12 m=31
